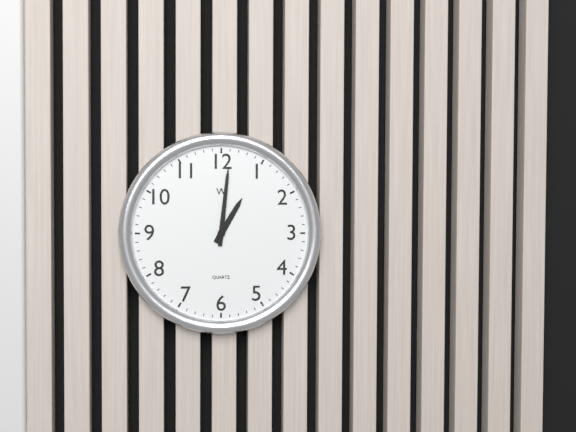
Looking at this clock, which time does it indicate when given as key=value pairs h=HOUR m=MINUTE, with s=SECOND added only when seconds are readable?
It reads h=1 m=1
